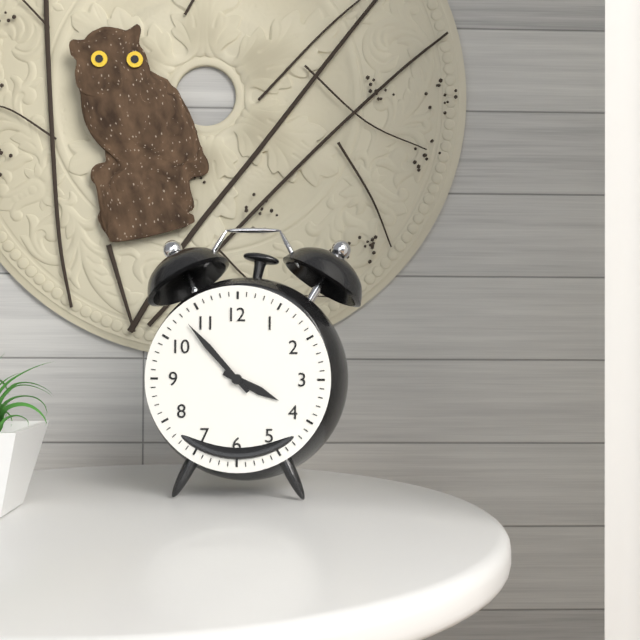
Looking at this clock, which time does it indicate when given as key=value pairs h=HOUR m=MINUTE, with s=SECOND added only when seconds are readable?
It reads h=3 m=53
